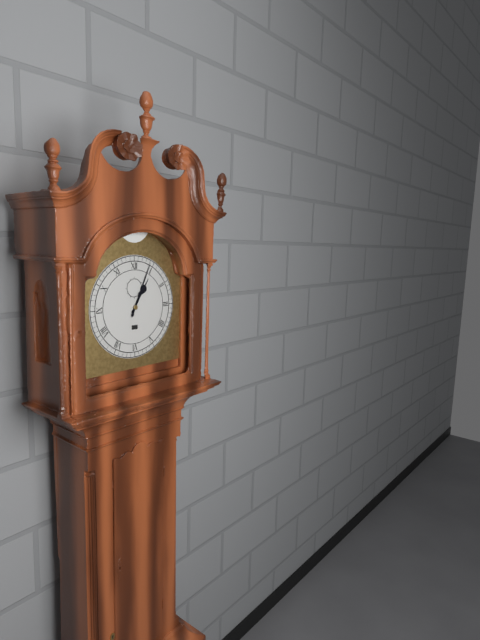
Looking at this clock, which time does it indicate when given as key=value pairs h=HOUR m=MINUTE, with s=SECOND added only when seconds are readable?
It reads h=1 m=4
